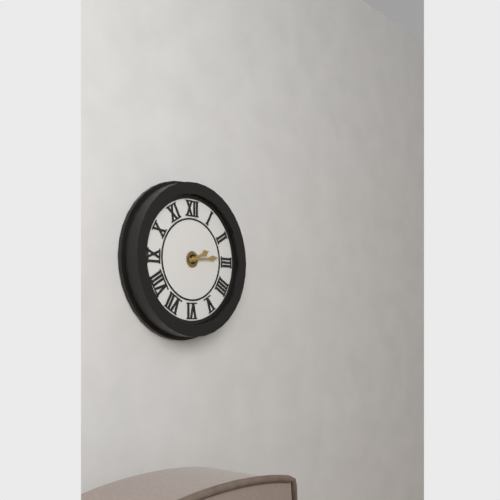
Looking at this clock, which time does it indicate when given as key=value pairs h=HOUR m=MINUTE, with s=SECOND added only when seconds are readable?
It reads h=2 m=14
